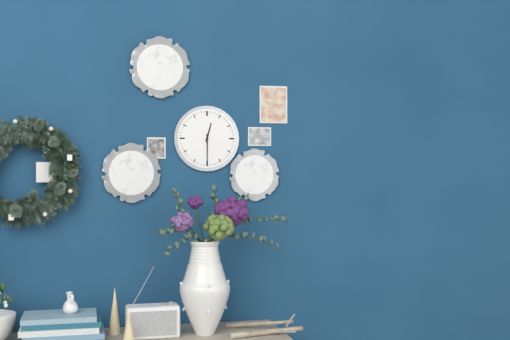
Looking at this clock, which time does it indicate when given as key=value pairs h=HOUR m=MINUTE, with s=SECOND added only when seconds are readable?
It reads h=12 m=30
